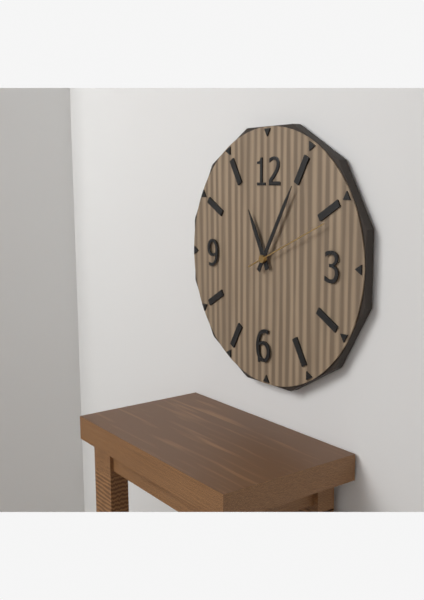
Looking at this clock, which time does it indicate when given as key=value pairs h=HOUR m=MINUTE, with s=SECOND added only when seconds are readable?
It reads h=11 m=5 s=11
